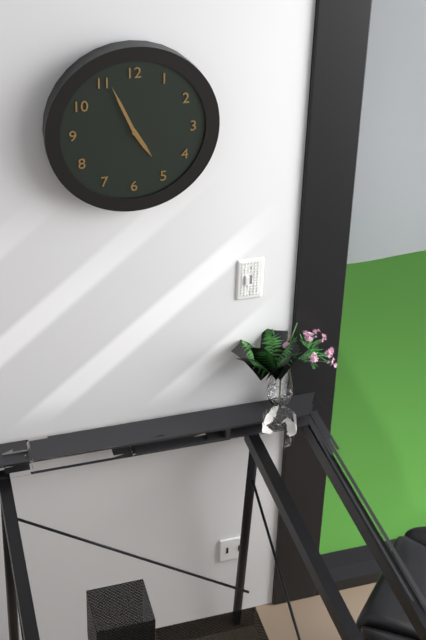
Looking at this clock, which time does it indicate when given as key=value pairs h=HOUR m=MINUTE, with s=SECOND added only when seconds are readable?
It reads h=4 m=56
